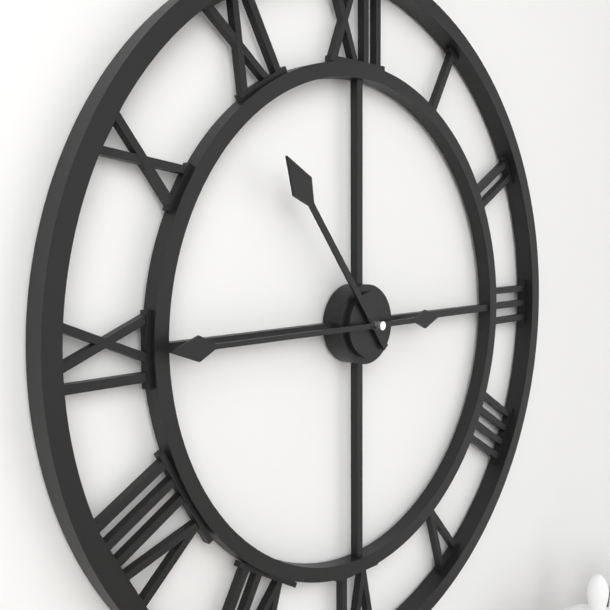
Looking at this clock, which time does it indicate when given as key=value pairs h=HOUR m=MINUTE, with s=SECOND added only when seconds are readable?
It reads h=10 m=45
